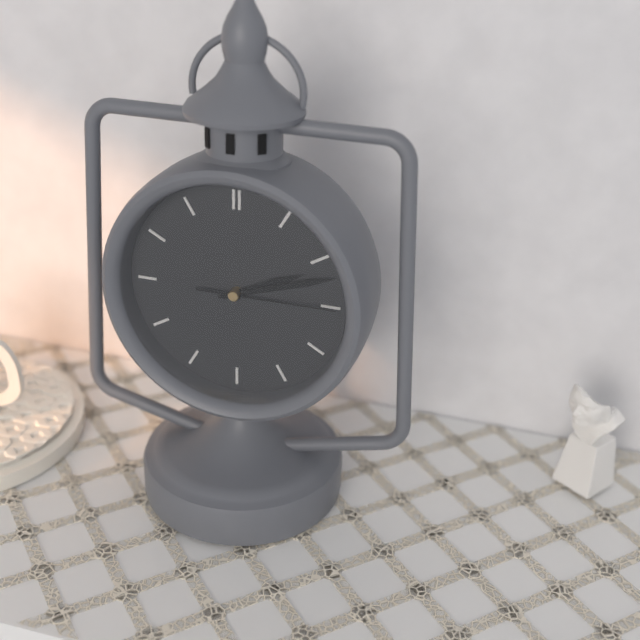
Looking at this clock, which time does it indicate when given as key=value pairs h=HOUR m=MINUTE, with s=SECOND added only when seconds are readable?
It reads h=2 m=12 s=15
